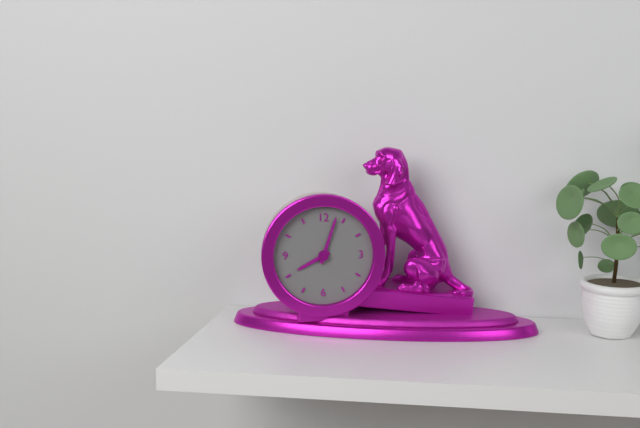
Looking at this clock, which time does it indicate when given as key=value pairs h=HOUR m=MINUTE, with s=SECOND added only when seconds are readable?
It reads h=8 m=3
